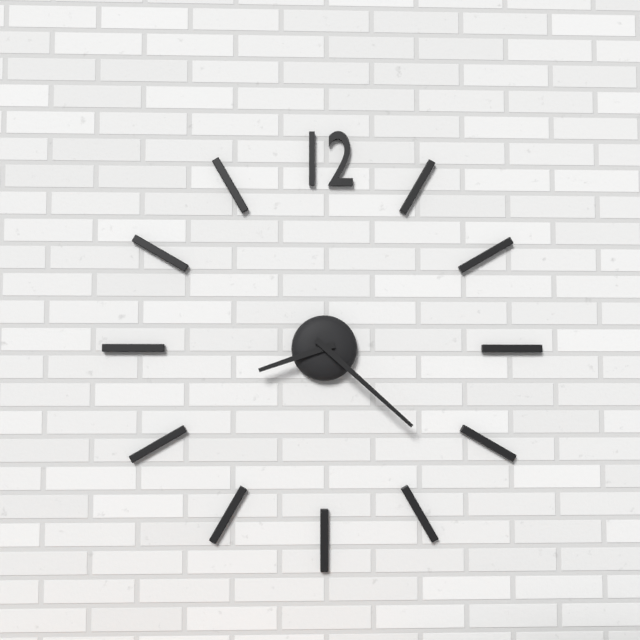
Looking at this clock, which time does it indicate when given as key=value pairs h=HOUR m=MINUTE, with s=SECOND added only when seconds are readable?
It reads h=8 m=22
